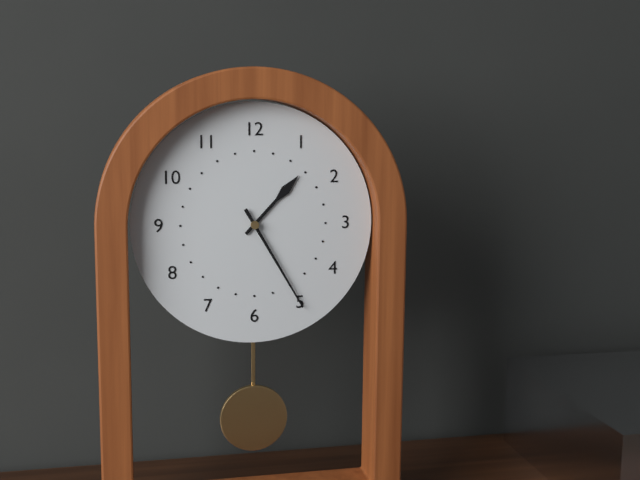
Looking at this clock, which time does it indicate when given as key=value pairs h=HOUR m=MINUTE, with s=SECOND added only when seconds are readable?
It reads h=1 m=25
